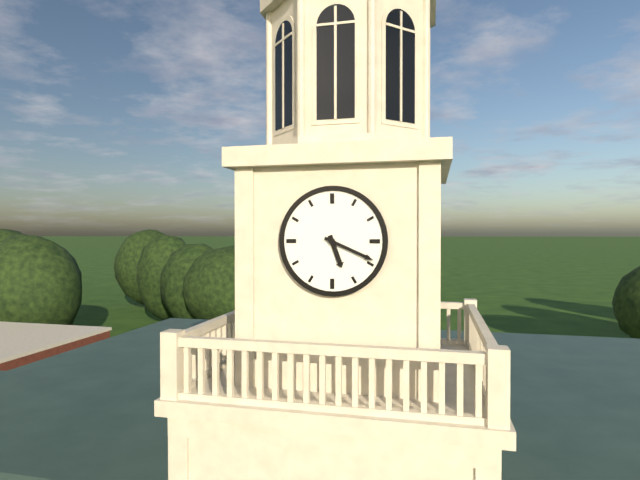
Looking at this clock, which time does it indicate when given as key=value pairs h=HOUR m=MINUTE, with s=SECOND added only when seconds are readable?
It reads h=5 m=19
